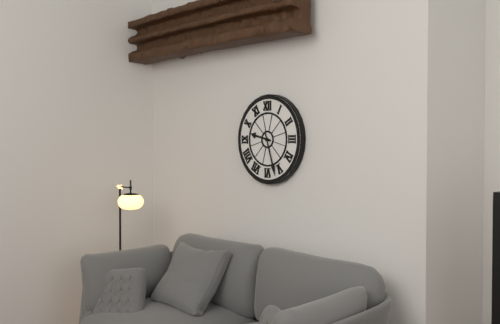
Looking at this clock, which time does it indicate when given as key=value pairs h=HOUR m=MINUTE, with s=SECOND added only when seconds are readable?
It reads h=9 m=27
